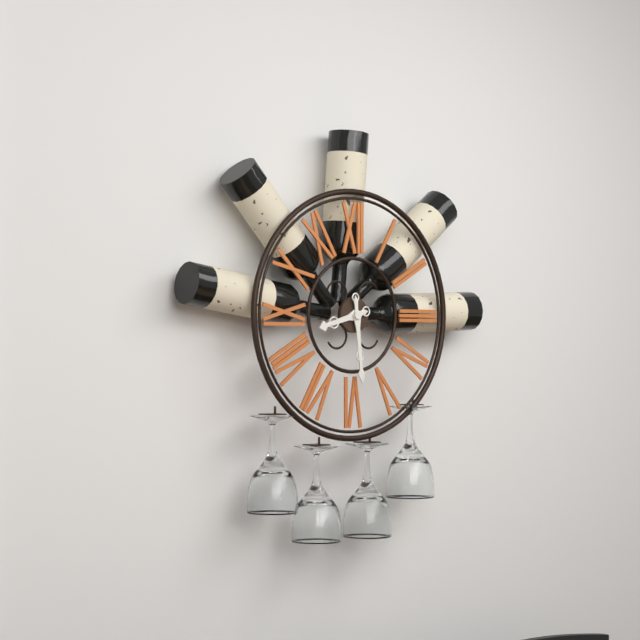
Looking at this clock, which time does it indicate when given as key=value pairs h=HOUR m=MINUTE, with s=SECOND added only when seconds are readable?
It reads h=8 m=29
